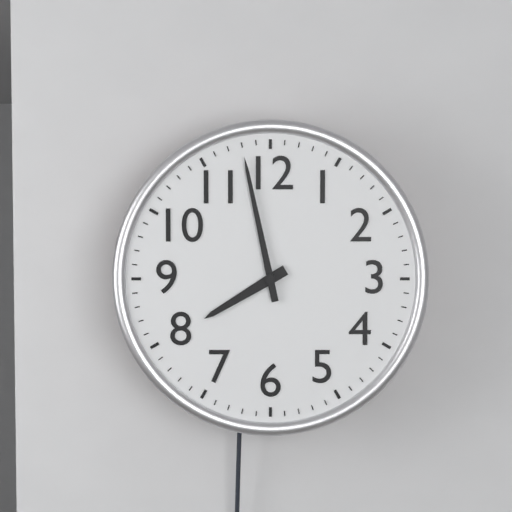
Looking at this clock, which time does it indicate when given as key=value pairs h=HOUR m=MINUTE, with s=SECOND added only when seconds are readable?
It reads h=7 m=58
